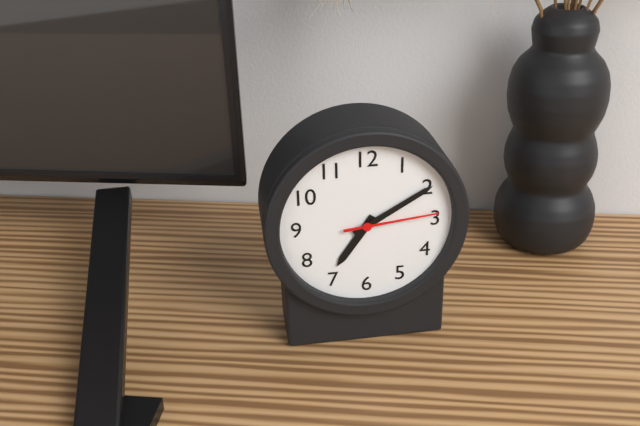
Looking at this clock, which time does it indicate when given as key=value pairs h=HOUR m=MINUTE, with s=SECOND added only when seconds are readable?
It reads h=7 m=10 s=14
